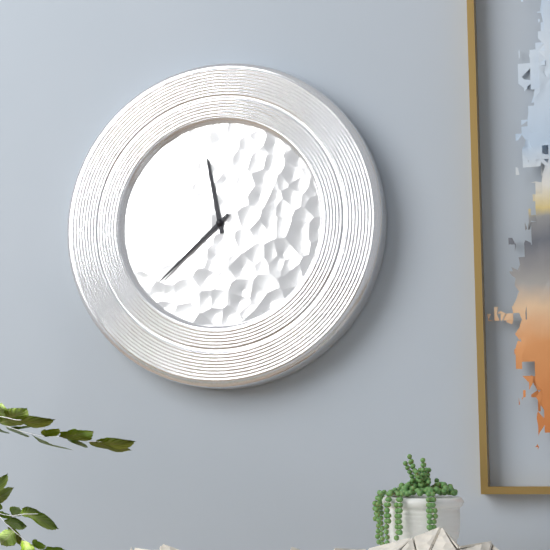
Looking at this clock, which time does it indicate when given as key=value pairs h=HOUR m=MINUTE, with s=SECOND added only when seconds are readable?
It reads h=11 m=38
